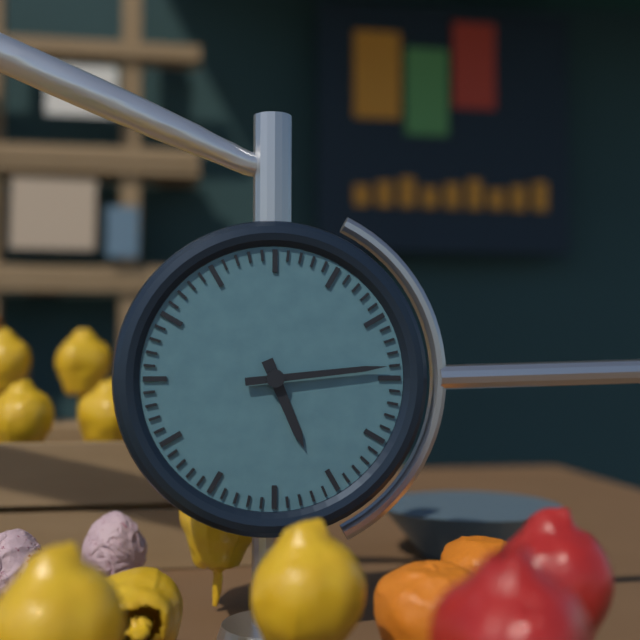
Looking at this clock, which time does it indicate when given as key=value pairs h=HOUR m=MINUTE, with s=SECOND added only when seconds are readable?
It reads h=5 m=14
